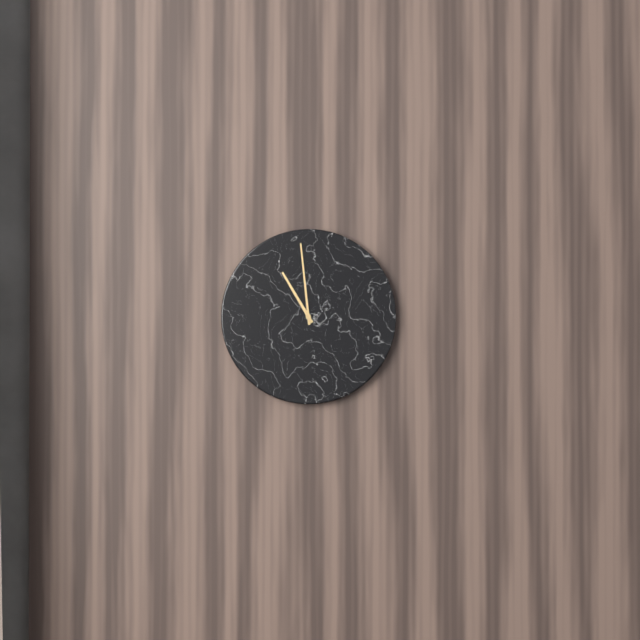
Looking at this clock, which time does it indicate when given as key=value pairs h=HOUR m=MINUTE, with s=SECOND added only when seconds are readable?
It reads h=10 m=59
